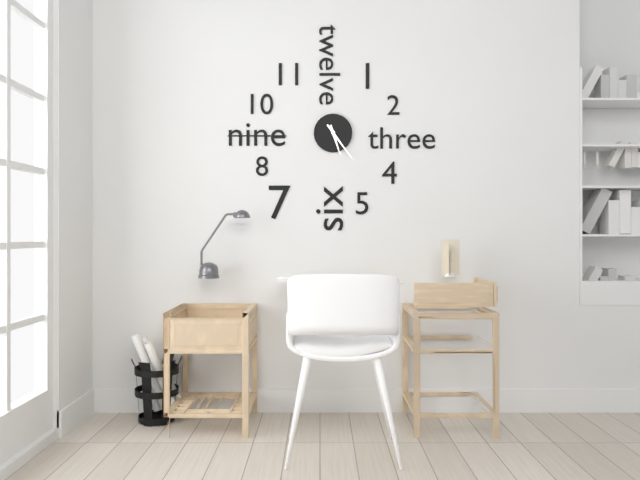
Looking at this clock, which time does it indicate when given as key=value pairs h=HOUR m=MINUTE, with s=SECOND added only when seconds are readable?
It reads h=5 m=24
